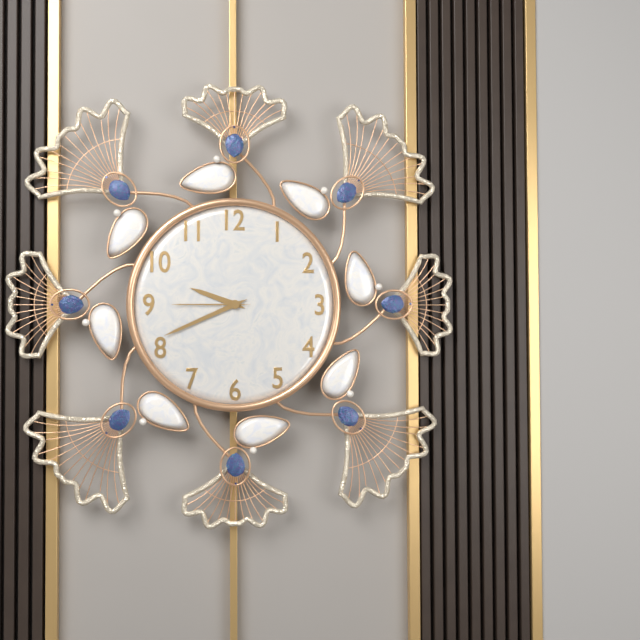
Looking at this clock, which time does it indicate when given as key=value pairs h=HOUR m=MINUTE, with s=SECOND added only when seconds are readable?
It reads h=9 m=41 s=45
